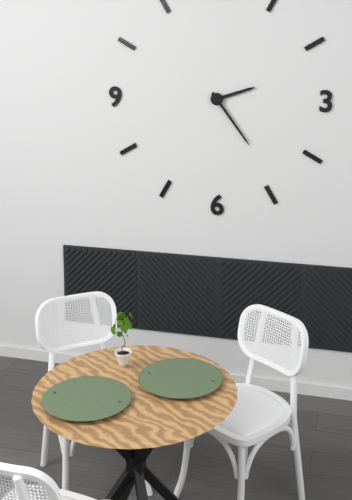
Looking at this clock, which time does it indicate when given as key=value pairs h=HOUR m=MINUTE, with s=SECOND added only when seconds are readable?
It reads h=2 m=24
